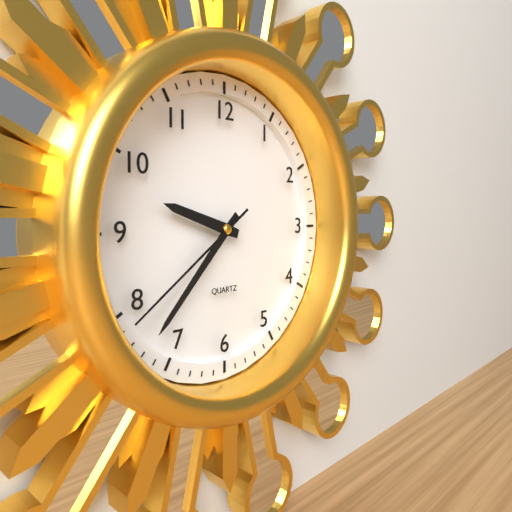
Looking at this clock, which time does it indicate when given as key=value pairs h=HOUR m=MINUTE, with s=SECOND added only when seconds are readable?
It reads h=9 m=37 s=39
